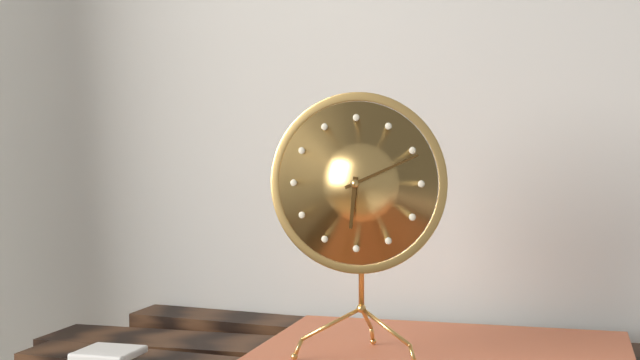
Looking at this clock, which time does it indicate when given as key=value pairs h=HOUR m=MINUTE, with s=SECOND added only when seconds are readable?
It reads h=6 m=11
